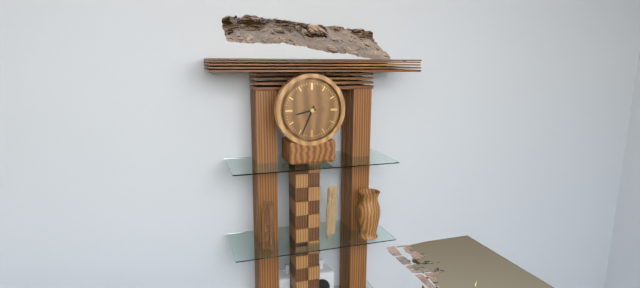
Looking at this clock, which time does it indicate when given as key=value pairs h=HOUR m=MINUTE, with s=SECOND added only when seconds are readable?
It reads h=8 m=34
